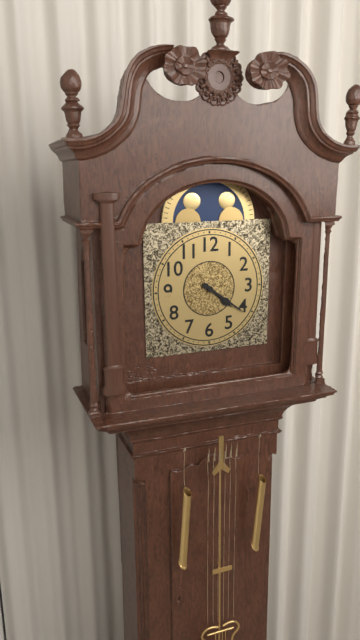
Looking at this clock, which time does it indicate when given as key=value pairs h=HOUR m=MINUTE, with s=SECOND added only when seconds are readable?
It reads h=4 m=21
